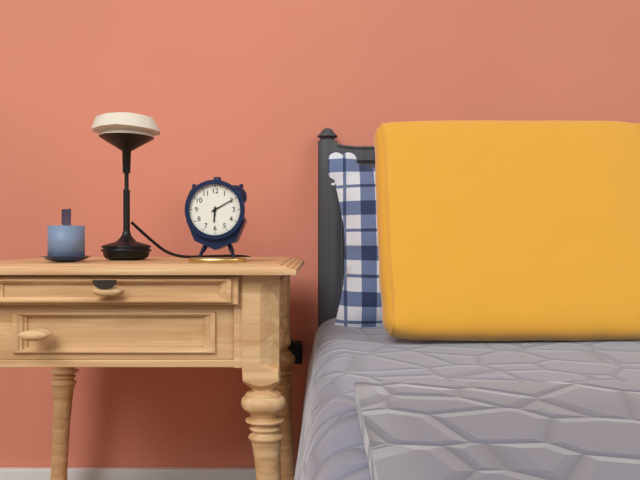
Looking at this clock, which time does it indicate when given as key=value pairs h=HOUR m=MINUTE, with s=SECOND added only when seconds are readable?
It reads h=6 m=10
